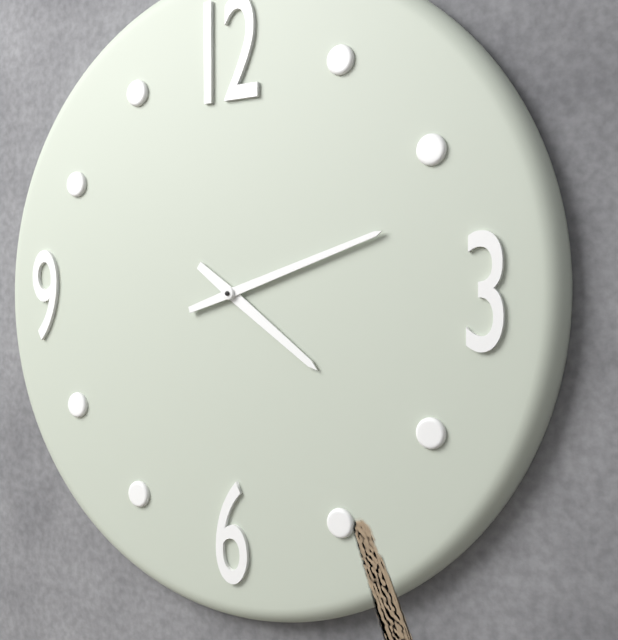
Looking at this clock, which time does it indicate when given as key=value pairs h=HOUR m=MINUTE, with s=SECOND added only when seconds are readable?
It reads h=4 m=12
